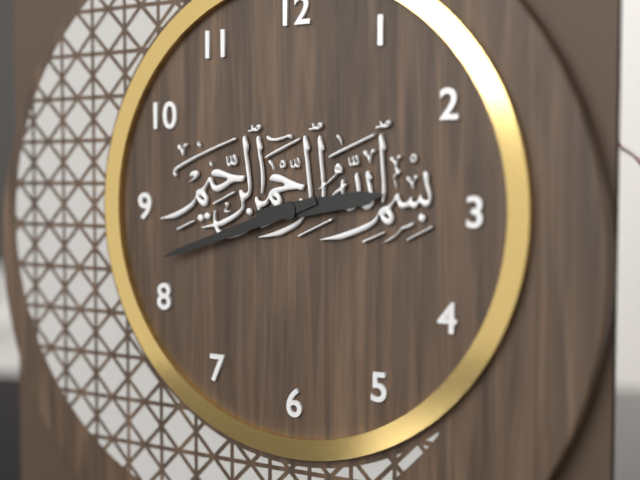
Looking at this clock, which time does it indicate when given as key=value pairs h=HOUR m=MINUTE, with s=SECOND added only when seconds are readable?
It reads h=2 m=42
